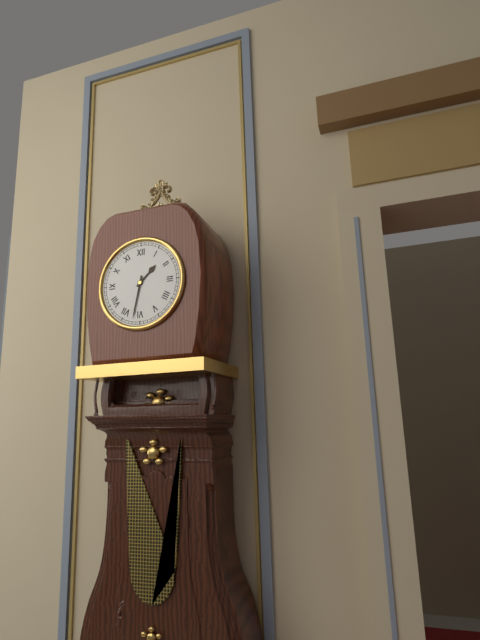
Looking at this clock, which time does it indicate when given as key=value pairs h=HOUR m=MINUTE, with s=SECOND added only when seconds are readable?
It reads h=1 m=32
